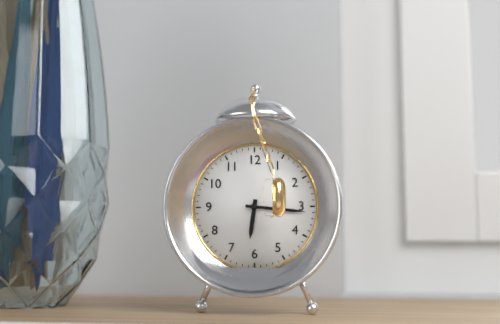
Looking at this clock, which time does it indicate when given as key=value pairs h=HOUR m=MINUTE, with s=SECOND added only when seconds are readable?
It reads h=6 m=16
